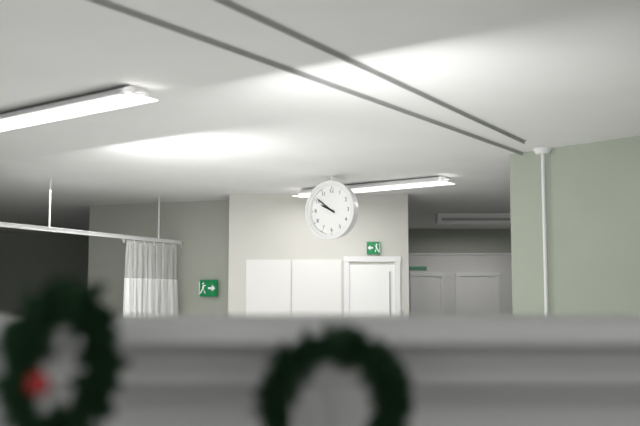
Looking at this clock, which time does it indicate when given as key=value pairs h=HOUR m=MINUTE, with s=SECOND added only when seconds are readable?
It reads h=9 m=51
